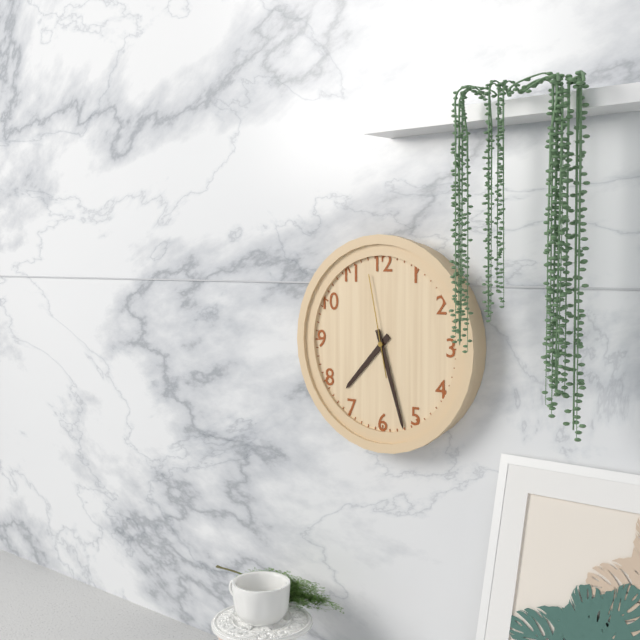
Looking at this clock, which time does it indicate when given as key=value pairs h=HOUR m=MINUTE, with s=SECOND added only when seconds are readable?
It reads h=7 m=27 s=58
